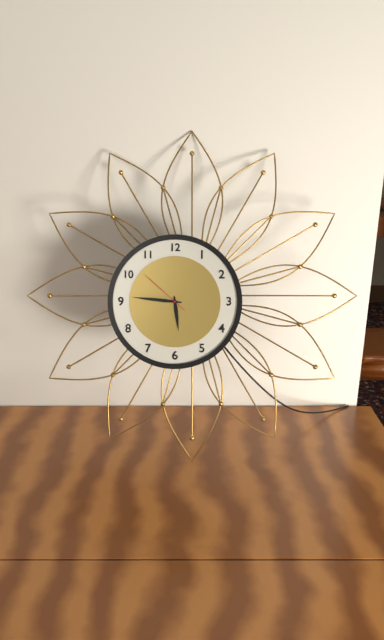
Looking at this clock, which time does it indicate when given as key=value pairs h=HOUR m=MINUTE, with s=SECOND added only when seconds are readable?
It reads h=5 m=46 s=52
